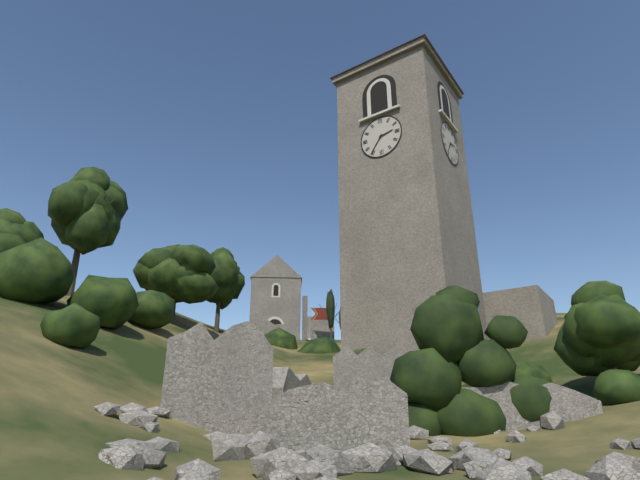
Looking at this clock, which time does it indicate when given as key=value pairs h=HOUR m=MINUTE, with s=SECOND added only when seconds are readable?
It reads h=2 m=36
